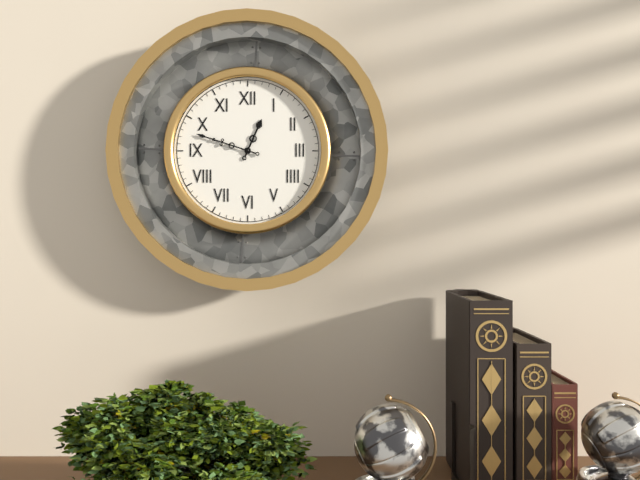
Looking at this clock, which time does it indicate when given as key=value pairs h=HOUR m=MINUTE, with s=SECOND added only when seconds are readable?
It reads h=12 m=48
